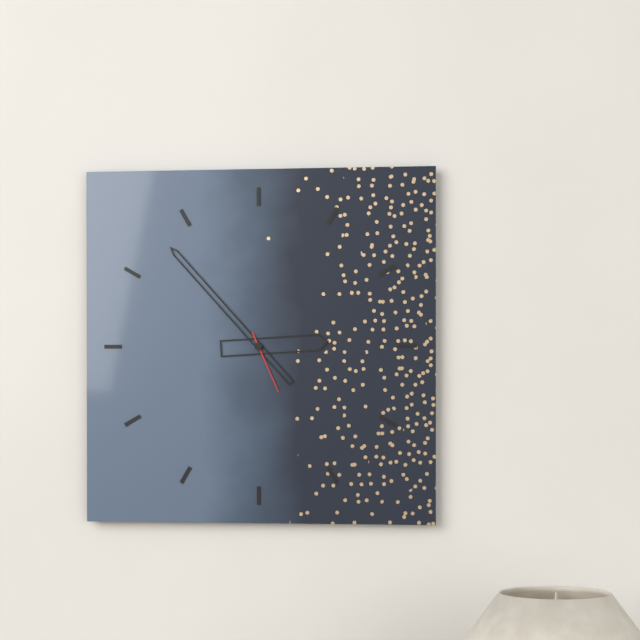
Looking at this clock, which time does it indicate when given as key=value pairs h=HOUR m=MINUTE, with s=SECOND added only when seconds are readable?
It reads h=2 m=53 s=26
